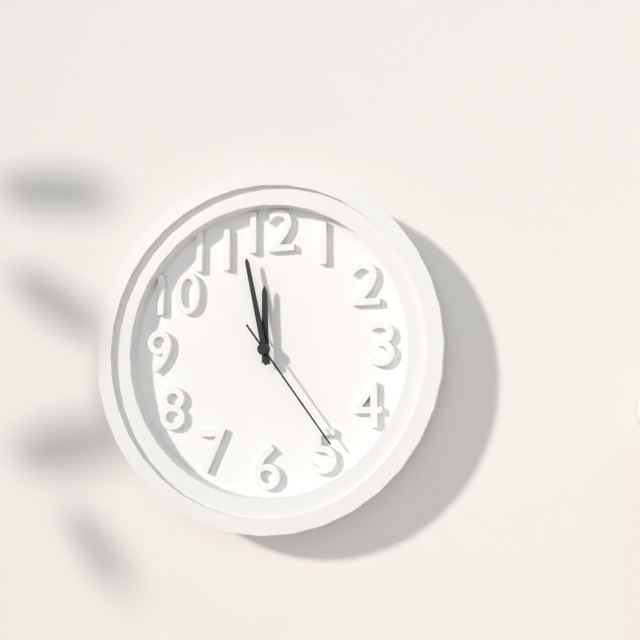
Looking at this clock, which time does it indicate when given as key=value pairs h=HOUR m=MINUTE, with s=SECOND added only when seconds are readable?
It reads h=11 m=58 s=24
